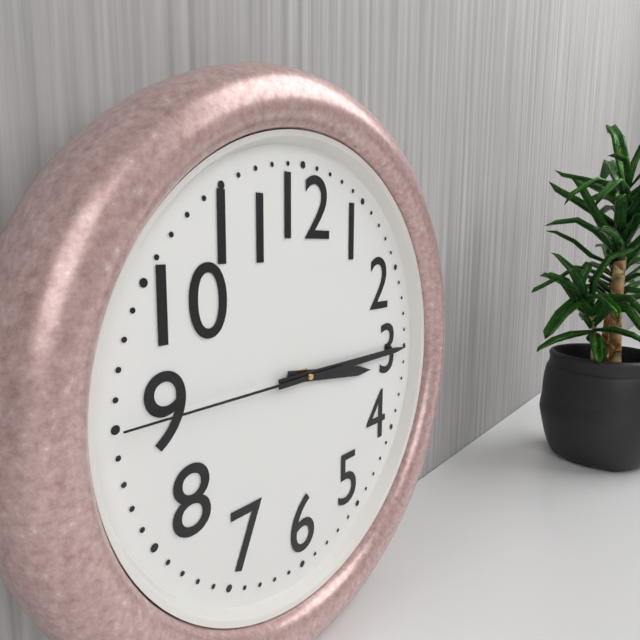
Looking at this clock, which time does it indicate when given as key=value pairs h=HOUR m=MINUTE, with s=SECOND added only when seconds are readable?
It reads h=3 m=15 s=45
